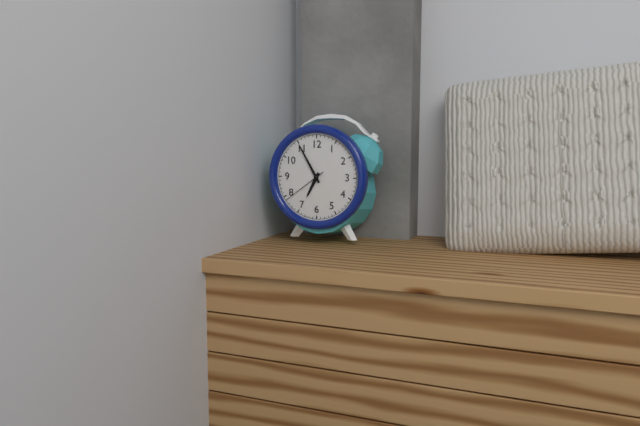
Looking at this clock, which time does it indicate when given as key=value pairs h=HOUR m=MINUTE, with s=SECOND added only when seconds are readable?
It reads h=6 m=55
